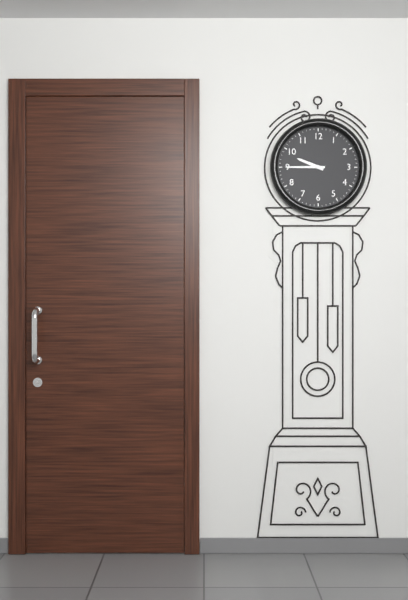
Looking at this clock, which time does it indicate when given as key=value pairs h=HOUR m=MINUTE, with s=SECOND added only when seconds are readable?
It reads h=9 m=45
